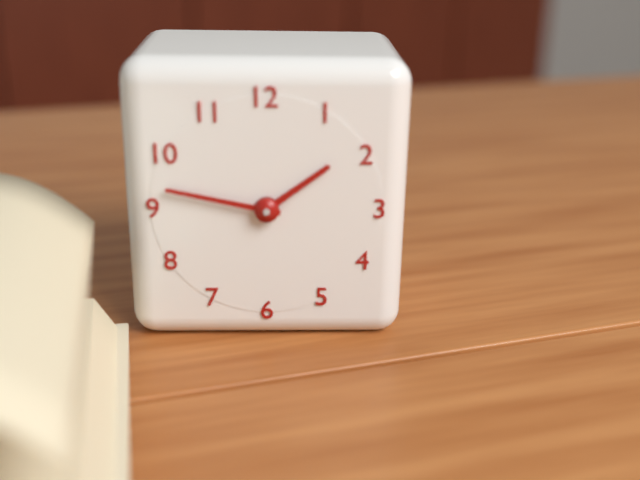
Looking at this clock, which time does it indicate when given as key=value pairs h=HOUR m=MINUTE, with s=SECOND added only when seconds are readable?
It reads h=1 m=47
